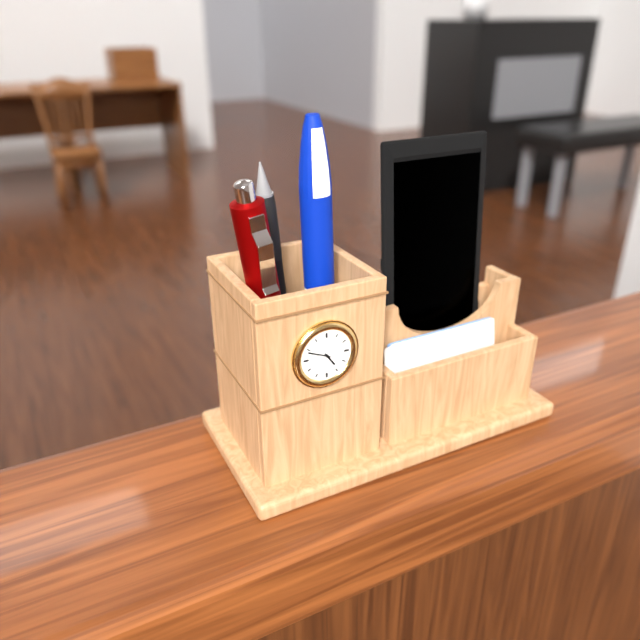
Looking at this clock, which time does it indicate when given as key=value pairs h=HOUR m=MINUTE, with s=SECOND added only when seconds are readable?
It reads h=4 m=49
